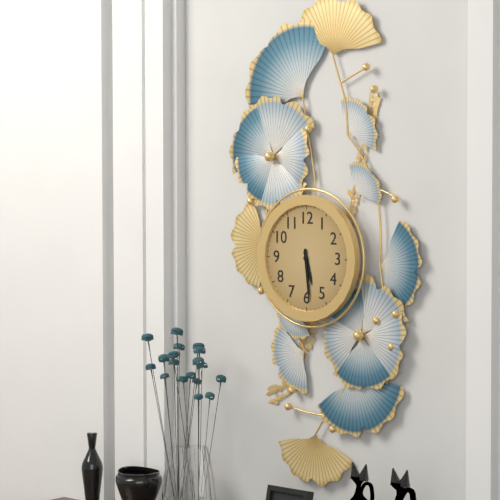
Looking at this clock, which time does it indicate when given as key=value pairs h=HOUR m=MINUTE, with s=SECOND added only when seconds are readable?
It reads h=5 m=29
